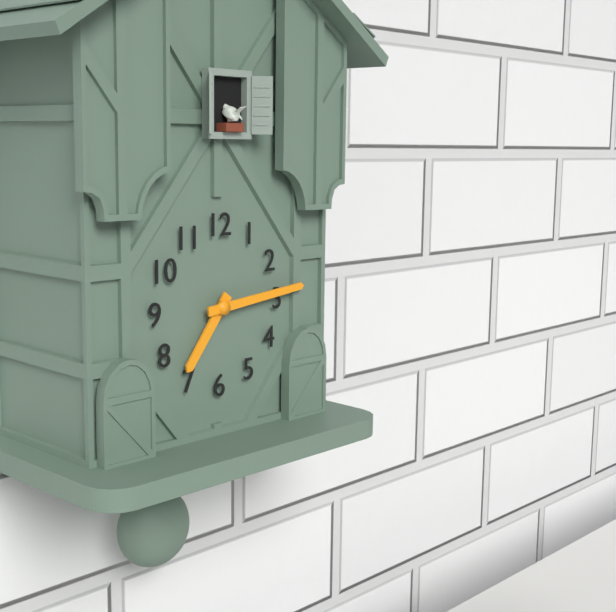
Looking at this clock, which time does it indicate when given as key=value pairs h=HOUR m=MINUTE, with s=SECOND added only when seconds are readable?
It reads h=7 m=14
